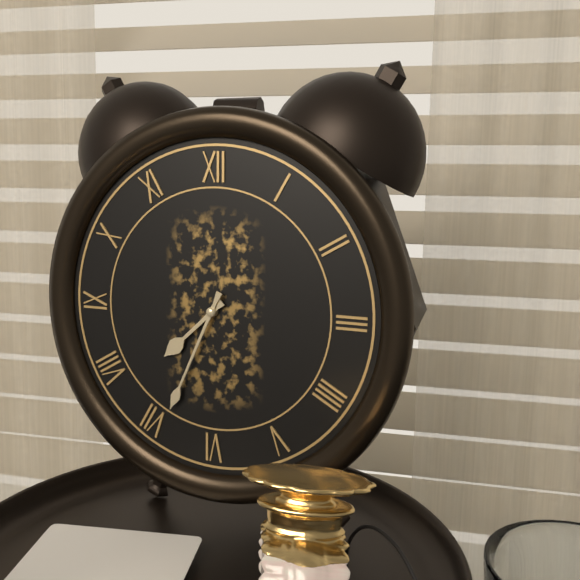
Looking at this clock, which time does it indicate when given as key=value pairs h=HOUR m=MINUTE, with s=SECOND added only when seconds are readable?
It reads h=7 m=34
